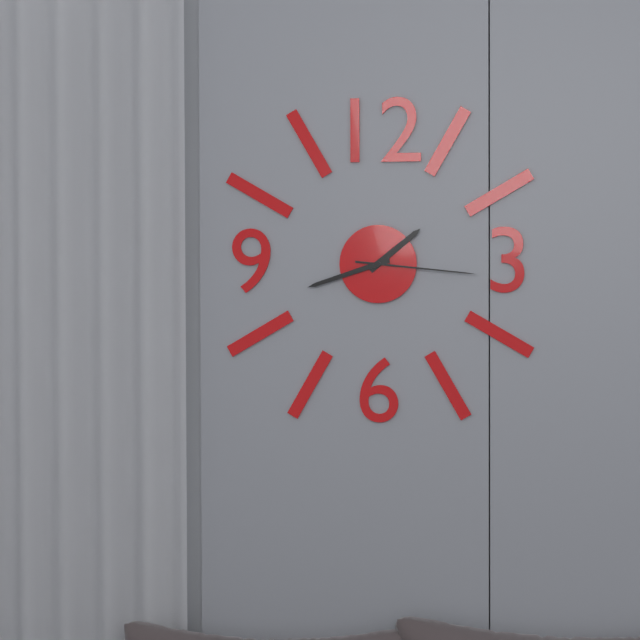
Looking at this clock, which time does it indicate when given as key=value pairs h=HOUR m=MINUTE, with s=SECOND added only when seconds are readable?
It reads h=1 m=42 s=16
